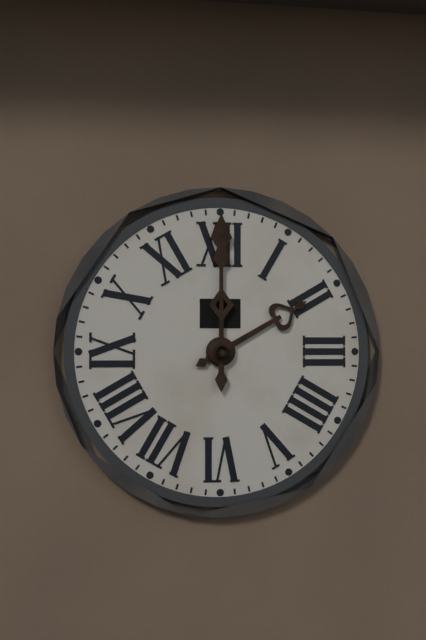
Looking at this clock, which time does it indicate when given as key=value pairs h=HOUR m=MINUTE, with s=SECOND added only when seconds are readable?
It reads h=2 m=0
